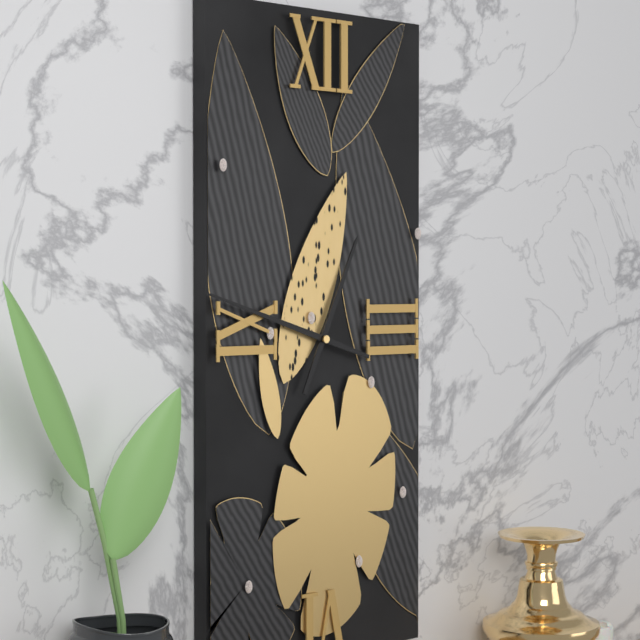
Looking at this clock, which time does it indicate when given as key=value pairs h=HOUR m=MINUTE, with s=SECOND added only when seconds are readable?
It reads h=12 m=48
